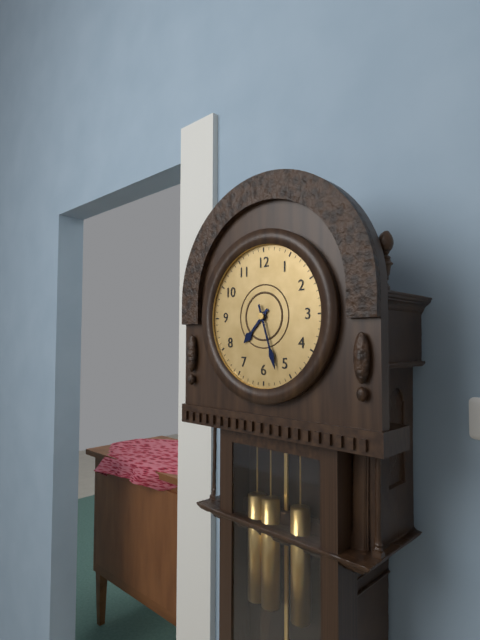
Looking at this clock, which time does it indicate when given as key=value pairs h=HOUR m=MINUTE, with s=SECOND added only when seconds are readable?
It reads h=7 m=27
